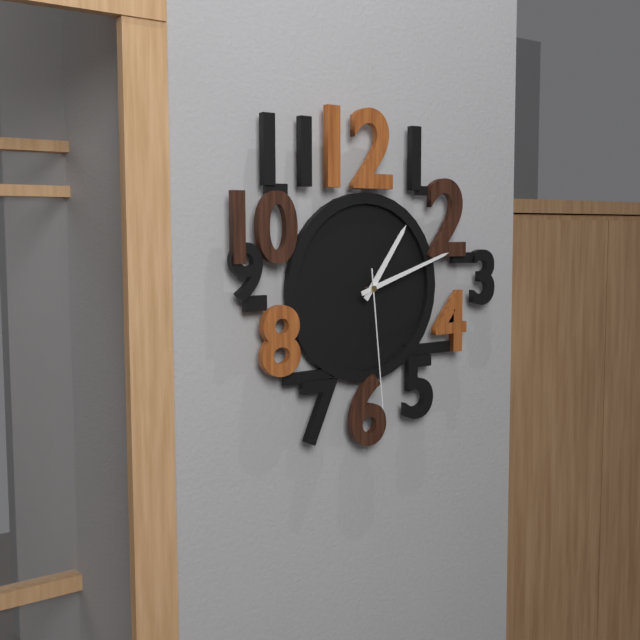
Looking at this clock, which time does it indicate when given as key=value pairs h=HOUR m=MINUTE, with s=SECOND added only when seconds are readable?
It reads h=1 m=12 s=29
